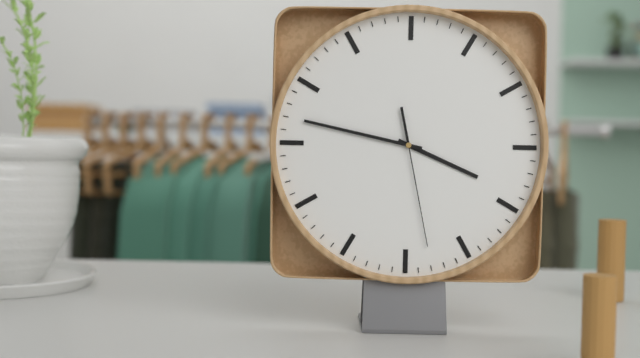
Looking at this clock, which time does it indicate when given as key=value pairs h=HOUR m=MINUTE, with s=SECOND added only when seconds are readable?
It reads h=3 m=47 s=28
